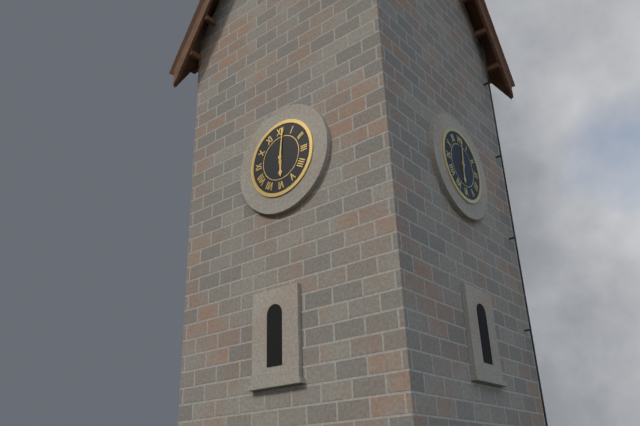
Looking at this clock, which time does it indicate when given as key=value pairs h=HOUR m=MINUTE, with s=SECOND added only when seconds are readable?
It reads h=6 m=1
